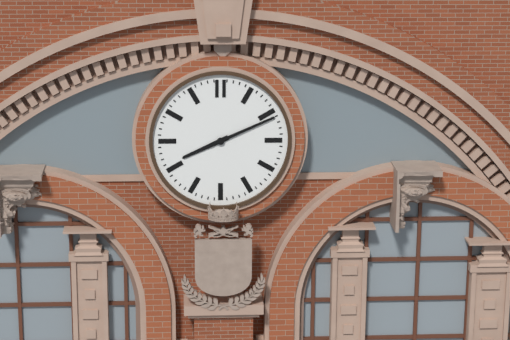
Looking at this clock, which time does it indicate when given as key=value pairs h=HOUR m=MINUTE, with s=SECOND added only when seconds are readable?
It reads h=8 m=11
